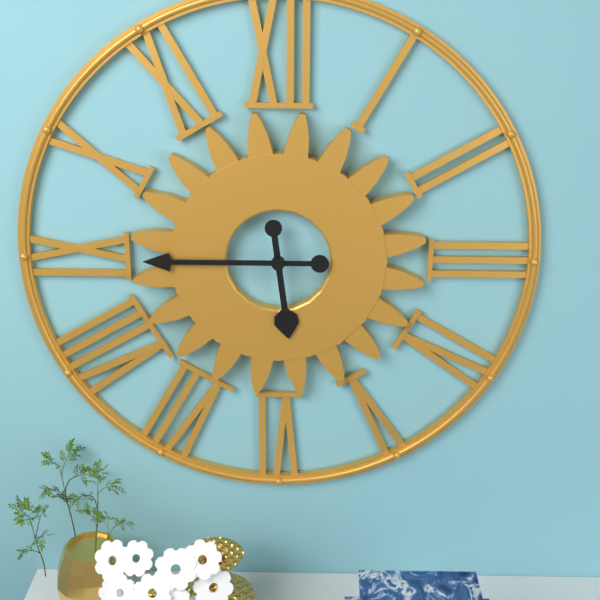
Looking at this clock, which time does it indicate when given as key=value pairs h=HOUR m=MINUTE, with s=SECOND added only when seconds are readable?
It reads h=5 m=45
